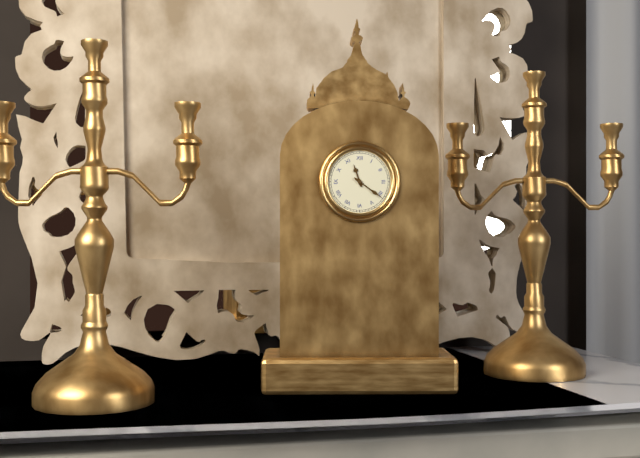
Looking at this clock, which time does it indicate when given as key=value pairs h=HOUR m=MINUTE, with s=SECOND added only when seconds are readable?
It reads h=11 m=21
